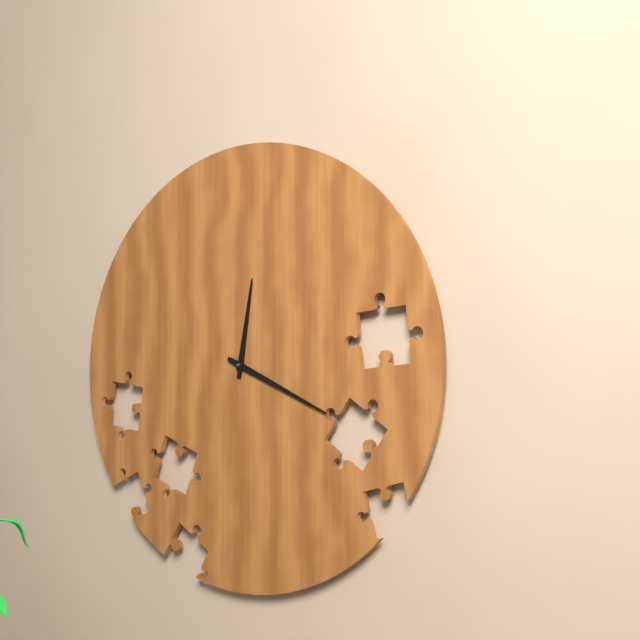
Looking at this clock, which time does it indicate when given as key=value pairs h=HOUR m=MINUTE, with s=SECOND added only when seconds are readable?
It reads h=12 m=19
